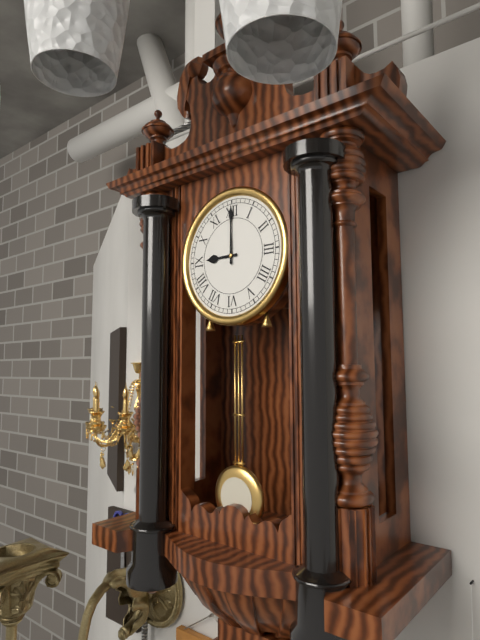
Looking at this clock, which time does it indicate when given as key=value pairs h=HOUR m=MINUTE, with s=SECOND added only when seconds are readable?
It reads h=9 m=0
